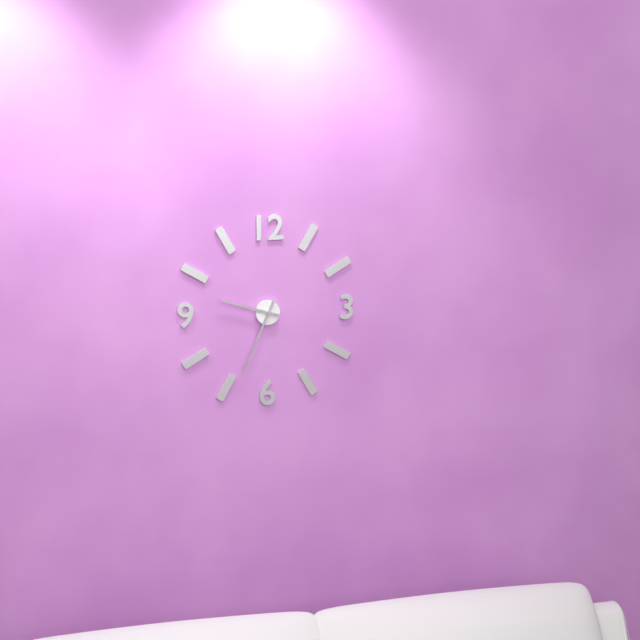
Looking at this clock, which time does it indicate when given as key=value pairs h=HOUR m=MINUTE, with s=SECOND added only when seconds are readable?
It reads h=9 m=34
